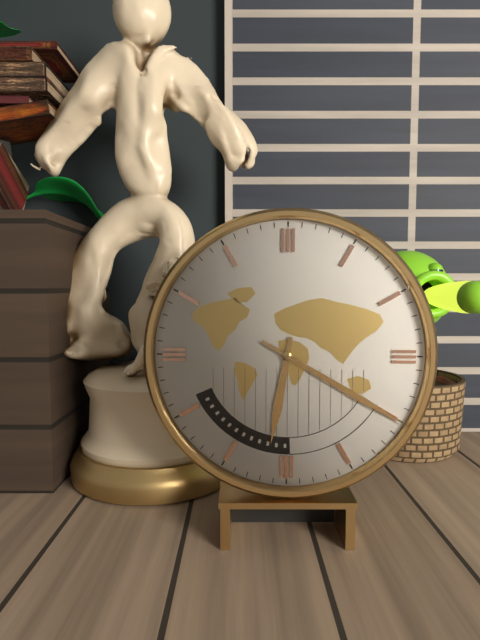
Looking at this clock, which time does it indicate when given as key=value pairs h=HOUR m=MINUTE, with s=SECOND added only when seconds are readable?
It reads h=6 m=20
